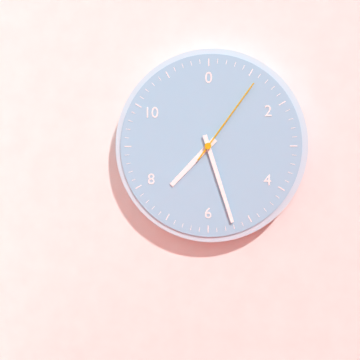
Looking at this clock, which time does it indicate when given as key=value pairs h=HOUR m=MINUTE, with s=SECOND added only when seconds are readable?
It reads h=7 m=27 s=6
